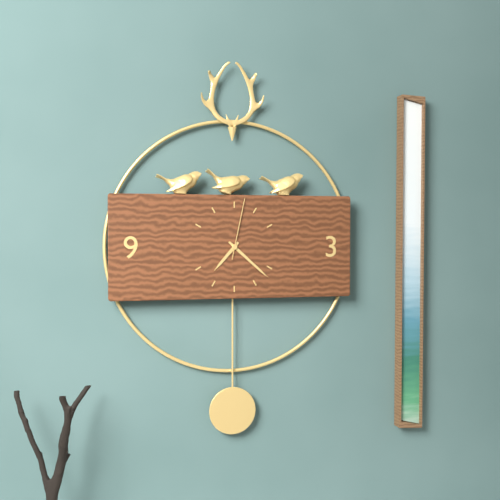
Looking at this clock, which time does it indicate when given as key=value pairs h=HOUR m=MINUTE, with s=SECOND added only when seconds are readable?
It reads h=7 m=22 s=2
